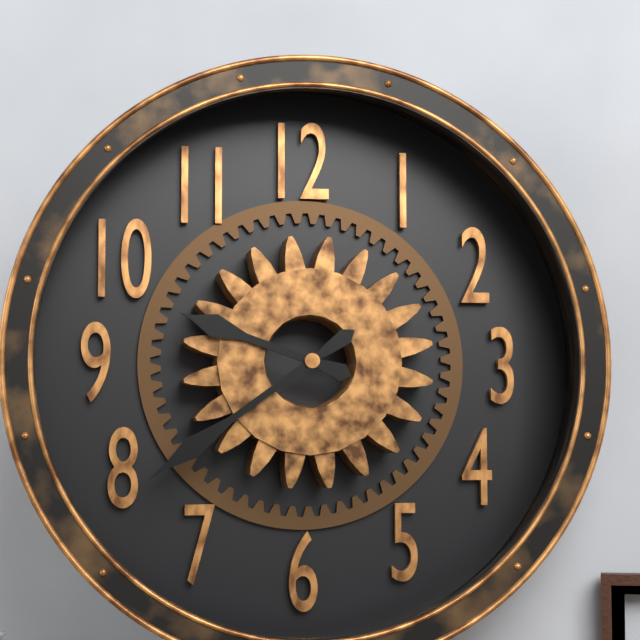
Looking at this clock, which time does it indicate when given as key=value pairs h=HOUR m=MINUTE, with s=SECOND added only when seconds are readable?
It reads h=9 m=39
